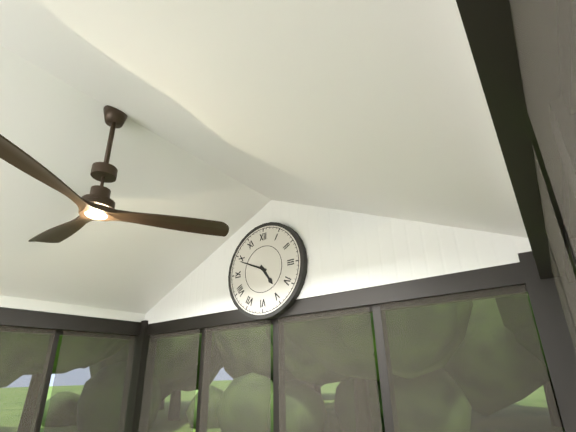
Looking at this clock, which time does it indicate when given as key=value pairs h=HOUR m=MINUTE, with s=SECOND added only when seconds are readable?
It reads h=4 m=49
